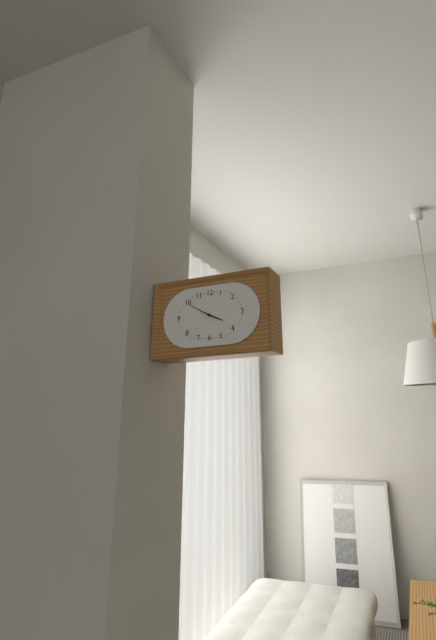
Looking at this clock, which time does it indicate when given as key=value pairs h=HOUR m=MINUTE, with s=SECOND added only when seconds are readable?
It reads h=3 m=50
